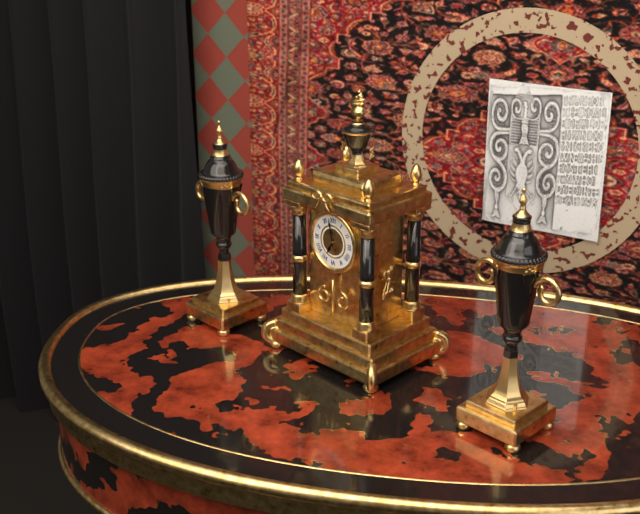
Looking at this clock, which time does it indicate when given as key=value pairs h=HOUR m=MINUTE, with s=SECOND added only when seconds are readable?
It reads h=6 m=58
